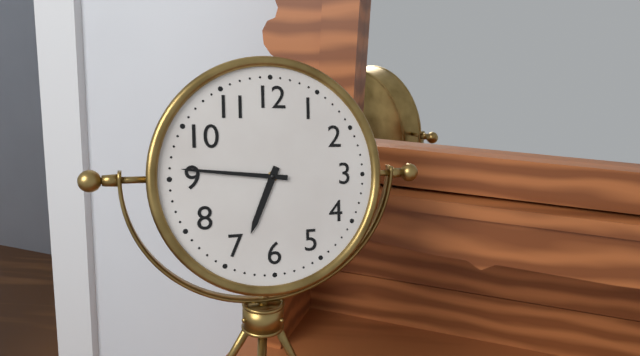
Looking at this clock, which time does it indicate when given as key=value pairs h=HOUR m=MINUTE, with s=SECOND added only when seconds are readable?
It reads h=6 m=46
